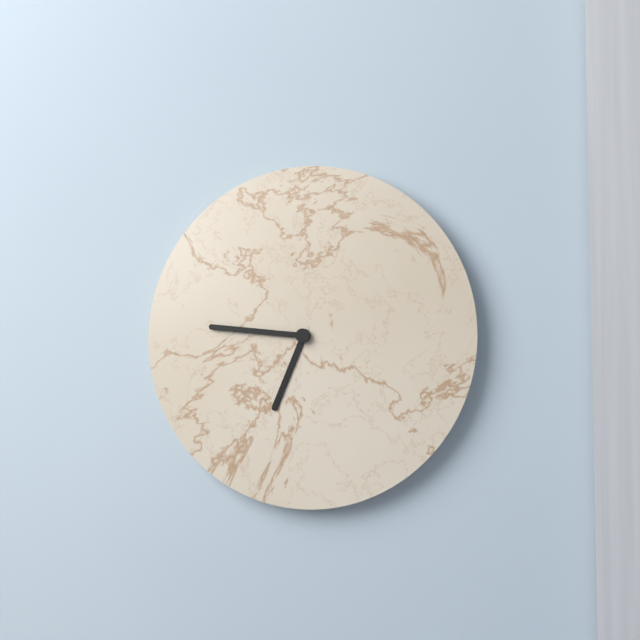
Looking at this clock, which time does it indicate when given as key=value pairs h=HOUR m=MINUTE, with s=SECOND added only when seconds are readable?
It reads h=6 m=46
